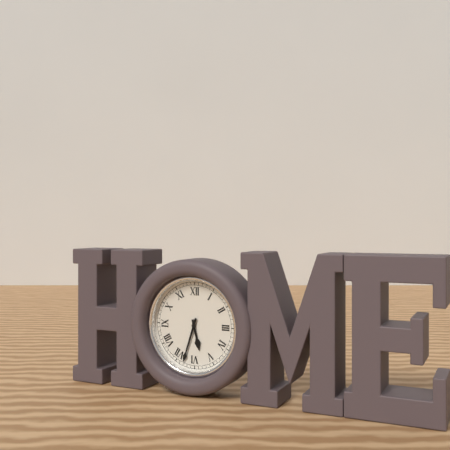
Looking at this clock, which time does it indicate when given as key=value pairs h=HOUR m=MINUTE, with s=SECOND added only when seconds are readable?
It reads h=5 m=33
